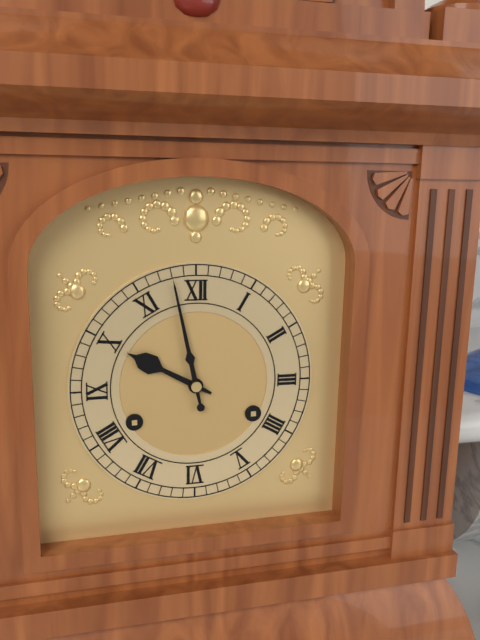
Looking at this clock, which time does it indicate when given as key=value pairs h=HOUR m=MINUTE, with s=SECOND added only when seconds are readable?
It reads h=9 m=58
